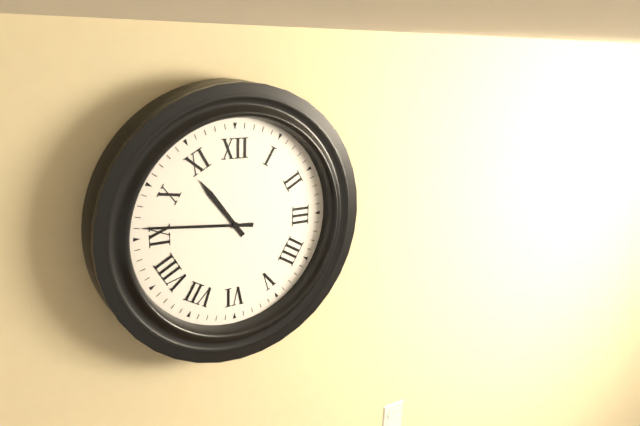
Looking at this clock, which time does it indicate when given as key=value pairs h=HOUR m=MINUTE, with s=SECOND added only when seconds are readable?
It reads h=10 m=46
